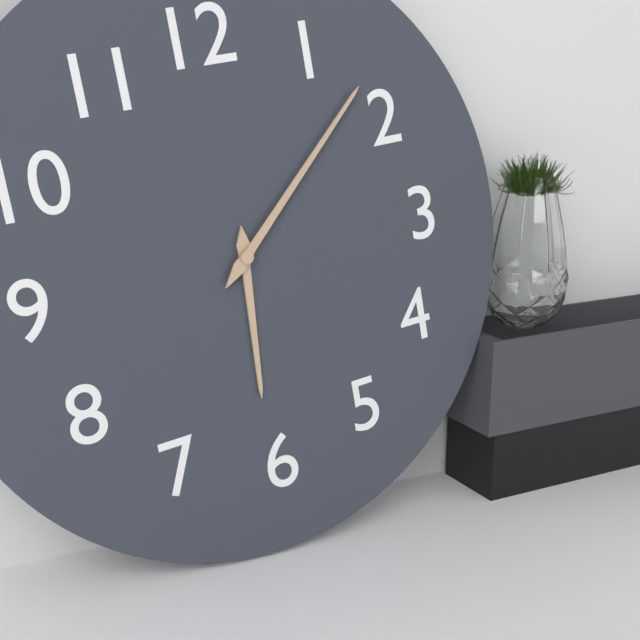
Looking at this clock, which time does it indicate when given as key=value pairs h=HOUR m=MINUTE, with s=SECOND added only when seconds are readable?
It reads h=6 m=8
